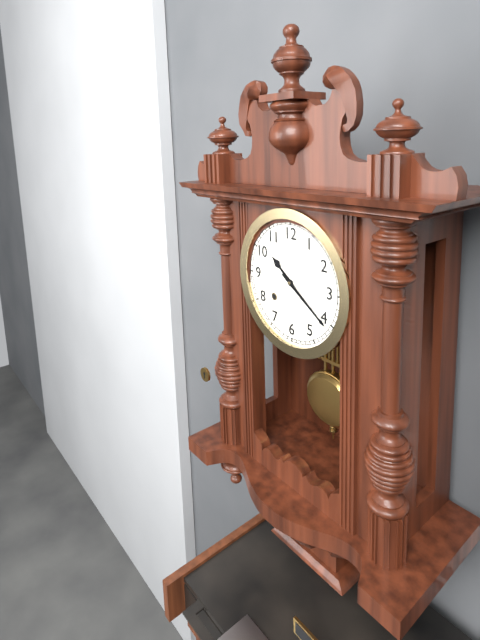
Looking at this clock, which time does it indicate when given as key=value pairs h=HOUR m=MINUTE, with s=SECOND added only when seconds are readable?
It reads h=10 m=21
